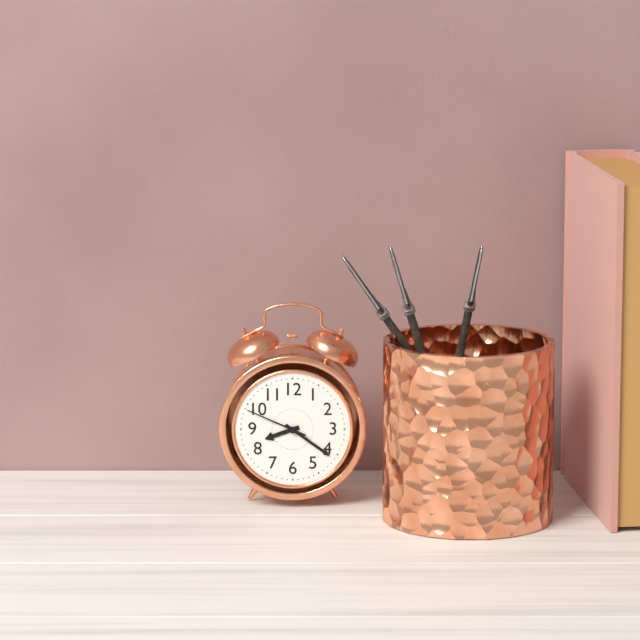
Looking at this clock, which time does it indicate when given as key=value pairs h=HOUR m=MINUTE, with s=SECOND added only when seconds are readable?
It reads h=8 m=21 s=49
